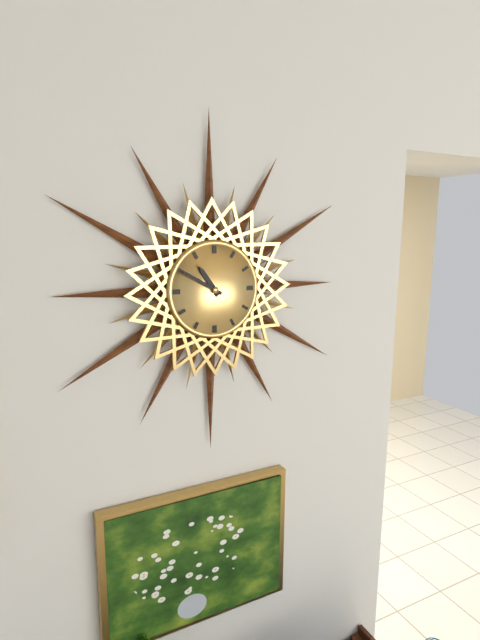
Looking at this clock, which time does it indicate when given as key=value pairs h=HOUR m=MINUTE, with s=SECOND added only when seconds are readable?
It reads h=10 m=50
